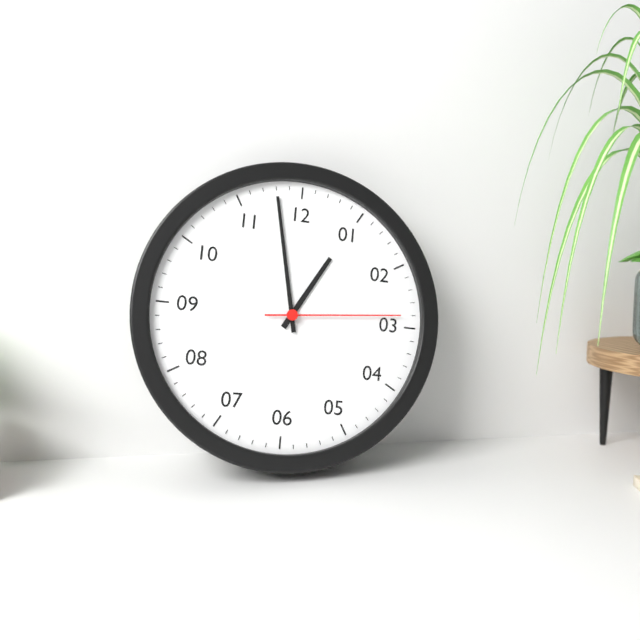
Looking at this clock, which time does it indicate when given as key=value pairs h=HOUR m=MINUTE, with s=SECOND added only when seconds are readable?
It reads h=12 m=58 s=14
